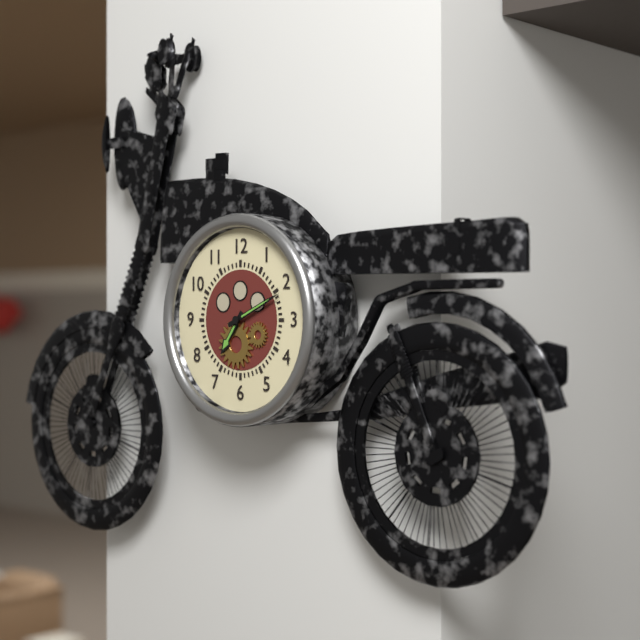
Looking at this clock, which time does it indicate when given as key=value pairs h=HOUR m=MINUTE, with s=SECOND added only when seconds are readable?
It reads h=7 m=11
